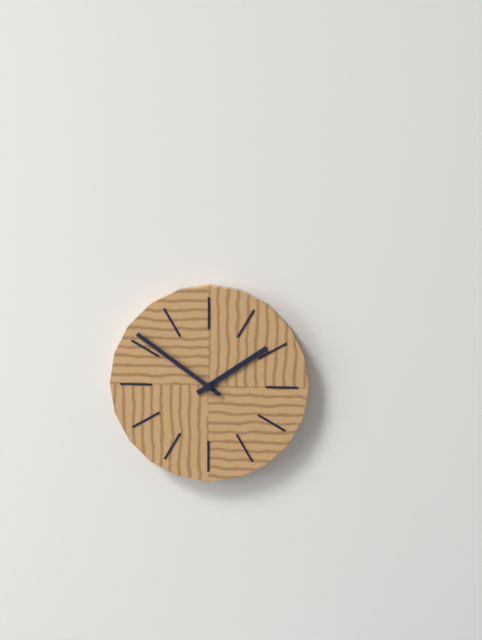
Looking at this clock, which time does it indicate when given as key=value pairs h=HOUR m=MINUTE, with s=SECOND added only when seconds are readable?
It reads h=1 m=51
